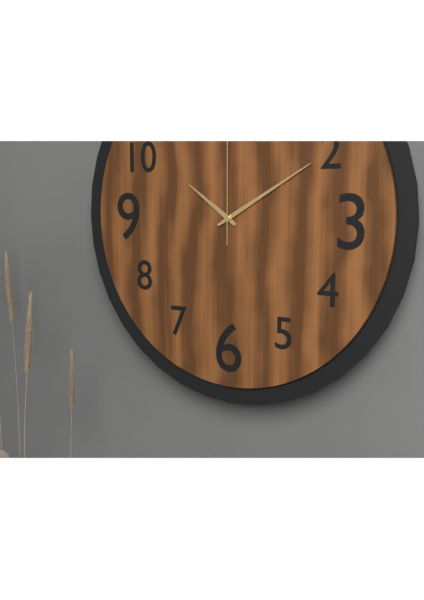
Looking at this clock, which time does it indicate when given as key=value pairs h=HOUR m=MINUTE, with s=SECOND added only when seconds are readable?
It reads h=10 m=10 s=0
